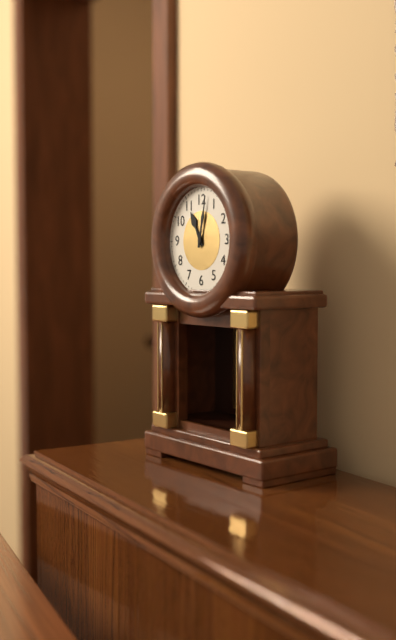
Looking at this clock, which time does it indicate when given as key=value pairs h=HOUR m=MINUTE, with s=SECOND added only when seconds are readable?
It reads h=11 m=2
